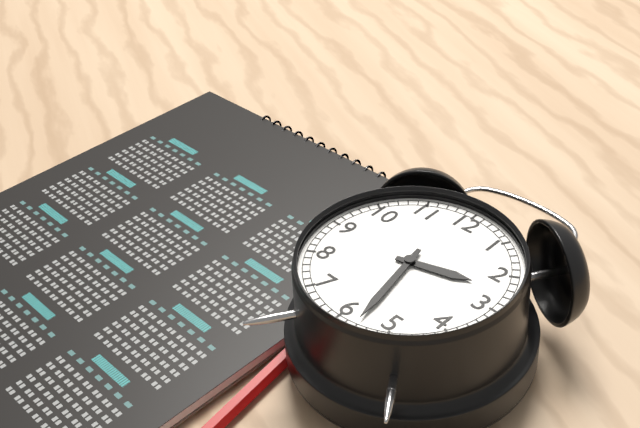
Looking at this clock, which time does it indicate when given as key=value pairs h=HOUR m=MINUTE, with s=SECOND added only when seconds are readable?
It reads h=2 m=28
